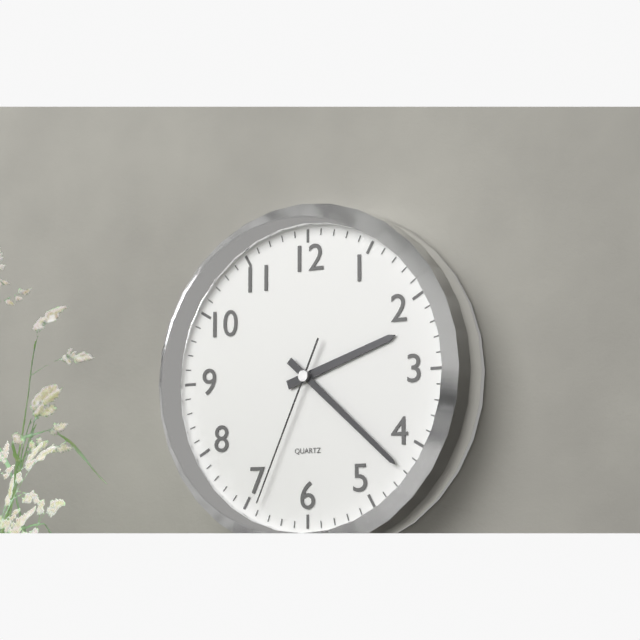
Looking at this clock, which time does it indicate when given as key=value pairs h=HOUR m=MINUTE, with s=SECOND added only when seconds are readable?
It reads h=2 m=22 s=34
